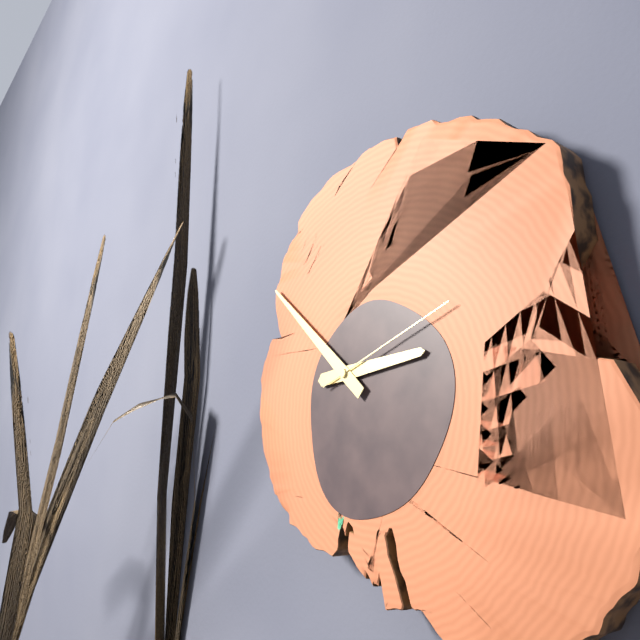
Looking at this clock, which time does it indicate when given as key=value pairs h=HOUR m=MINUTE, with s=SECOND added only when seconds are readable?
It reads h=2 m=52 s=12
